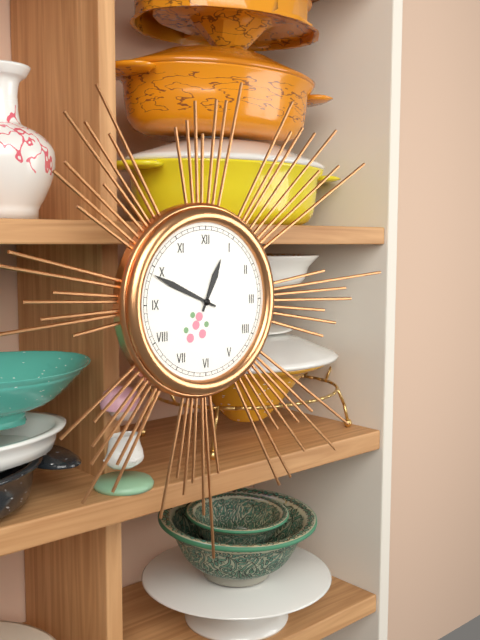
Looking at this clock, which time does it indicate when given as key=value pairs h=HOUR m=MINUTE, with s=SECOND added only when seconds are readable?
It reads h=12 m=49
